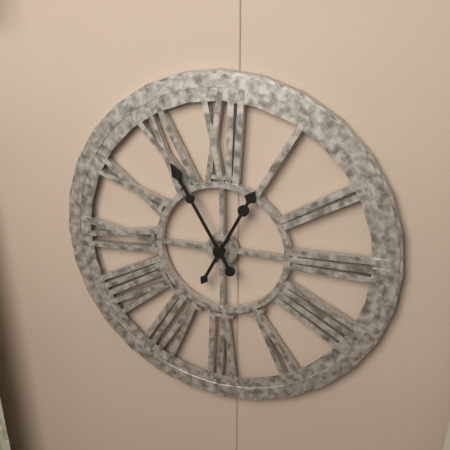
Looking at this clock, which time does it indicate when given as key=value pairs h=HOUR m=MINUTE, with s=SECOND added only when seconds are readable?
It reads h=12 m=55
